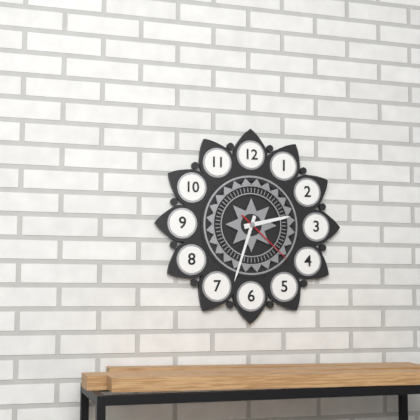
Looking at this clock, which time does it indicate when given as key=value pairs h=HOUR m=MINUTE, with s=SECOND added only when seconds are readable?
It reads h=2 m=33 s=22
